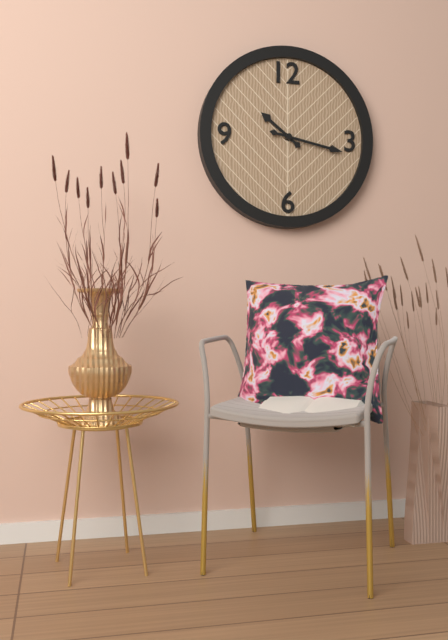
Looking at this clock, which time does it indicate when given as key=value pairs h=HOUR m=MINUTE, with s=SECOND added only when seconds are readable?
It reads h=10 m=17
